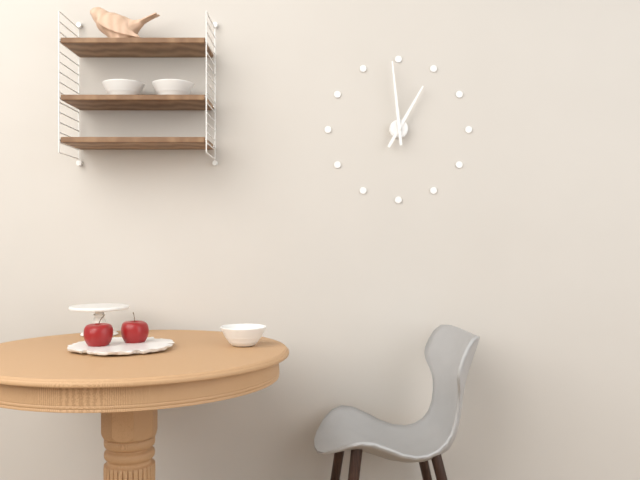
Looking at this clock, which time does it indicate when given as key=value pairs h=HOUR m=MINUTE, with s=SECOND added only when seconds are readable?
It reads h=12 m=59
